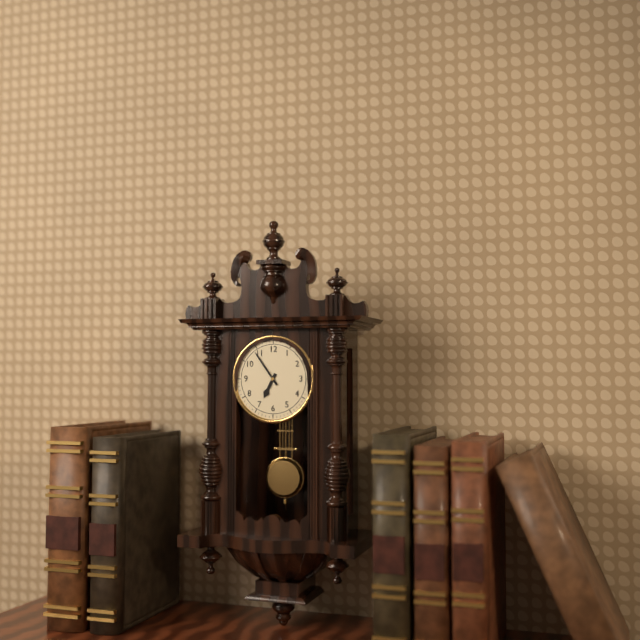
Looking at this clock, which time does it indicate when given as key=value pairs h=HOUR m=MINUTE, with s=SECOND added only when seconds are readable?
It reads h=6 m=54
